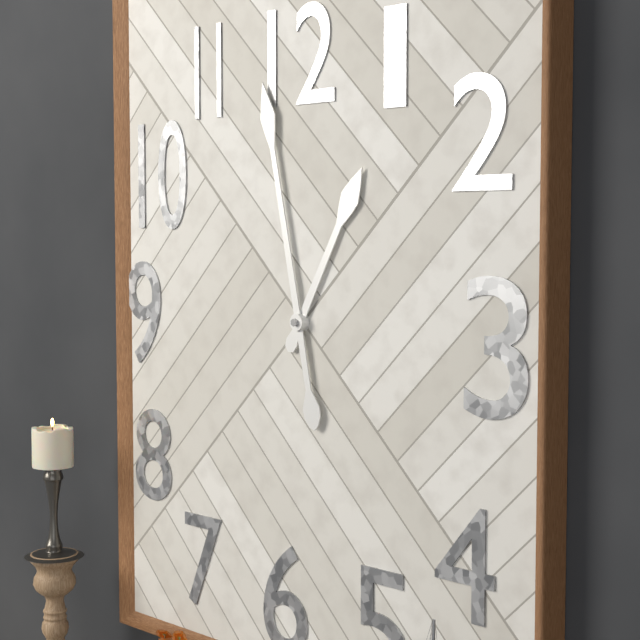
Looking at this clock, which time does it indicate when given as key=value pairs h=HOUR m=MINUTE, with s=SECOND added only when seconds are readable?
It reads h=12 m=58
